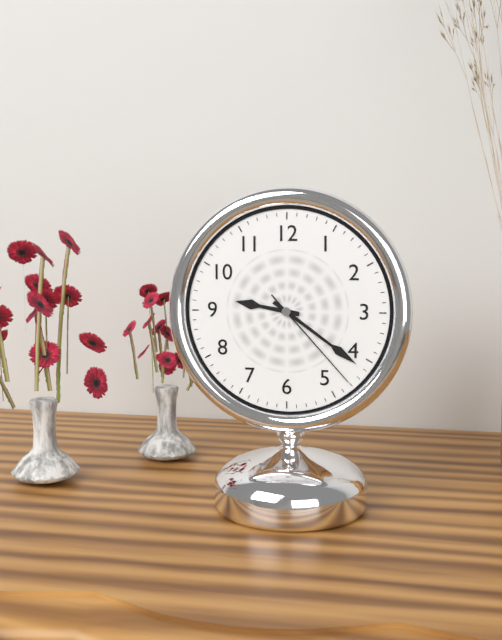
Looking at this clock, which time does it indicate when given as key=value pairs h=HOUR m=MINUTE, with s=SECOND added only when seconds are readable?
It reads h=9 m=21 s=23
